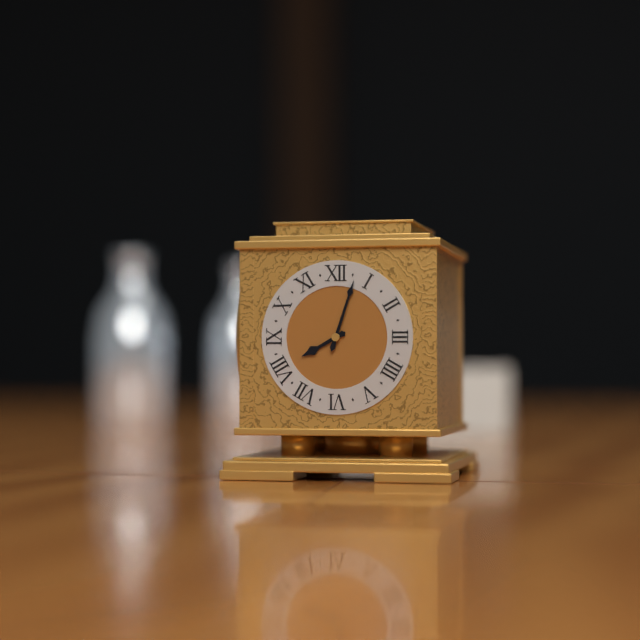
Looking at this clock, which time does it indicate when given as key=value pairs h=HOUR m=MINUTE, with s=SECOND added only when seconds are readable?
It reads h=8 m=3
